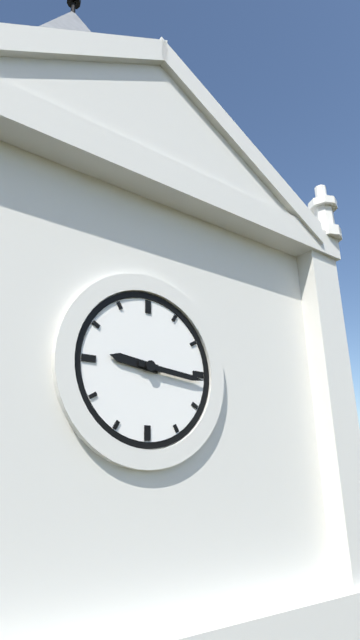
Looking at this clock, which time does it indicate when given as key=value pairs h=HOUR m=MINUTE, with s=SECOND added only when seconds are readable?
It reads h=9 m=16
